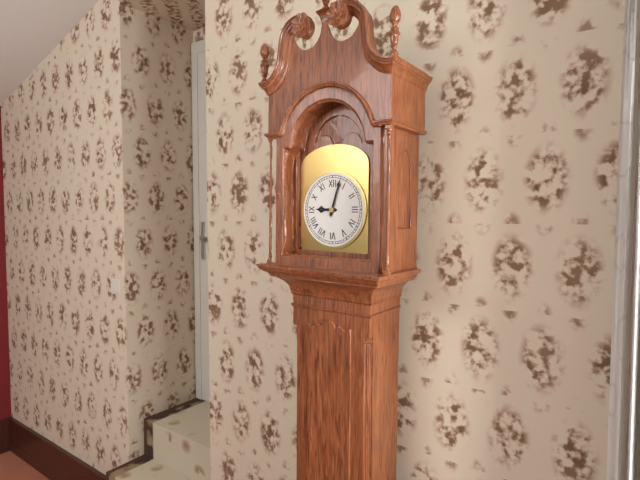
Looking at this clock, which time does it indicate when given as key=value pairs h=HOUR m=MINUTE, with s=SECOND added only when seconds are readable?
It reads h=9 m=3
